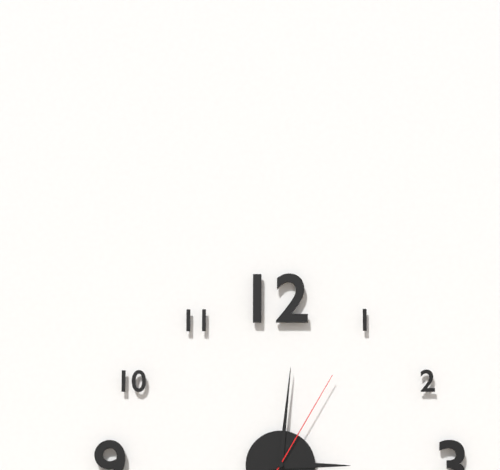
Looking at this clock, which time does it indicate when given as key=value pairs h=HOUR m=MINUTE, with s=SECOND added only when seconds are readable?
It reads h=3 m=1 s=5
